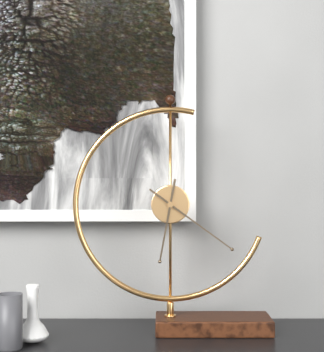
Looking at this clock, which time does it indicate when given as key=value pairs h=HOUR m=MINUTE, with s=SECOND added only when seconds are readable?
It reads h=6 m=21
